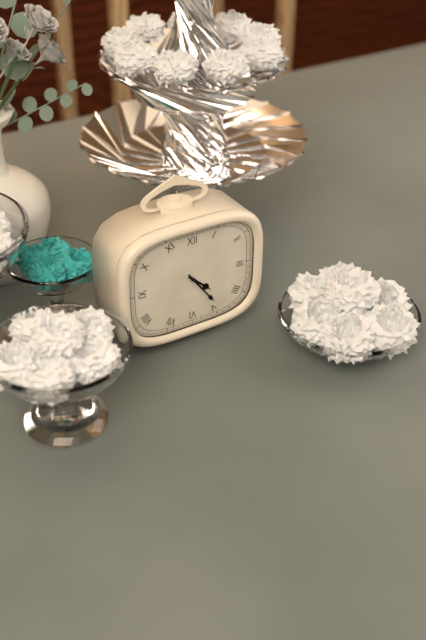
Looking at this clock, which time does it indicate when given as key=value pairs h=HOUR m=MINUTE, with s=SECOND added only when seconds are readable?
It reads h=4 m=24
